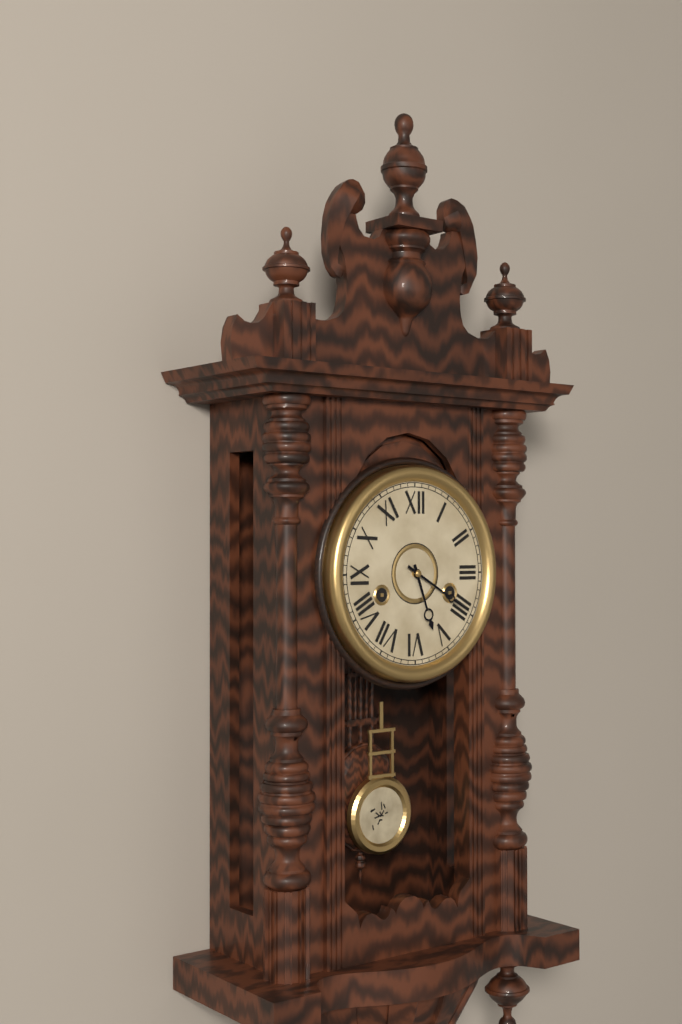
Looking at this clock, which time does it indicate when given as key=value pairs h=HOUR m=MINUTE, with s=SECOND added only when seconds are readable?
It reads h=5 m=20
